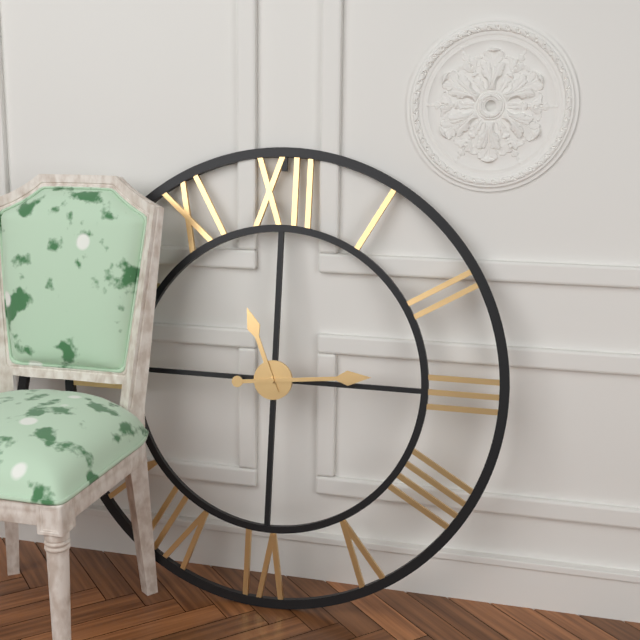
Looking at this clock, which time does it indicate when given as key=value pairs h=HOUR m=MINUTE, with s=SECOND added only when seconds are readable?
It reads h=11 m=14
